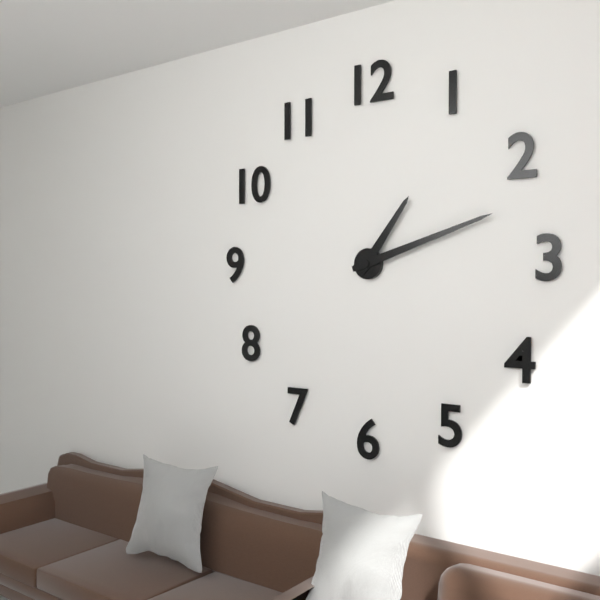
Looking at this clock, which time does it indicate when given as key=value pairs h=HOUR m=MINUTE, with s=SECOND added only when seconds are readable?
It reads h=1 m=12
